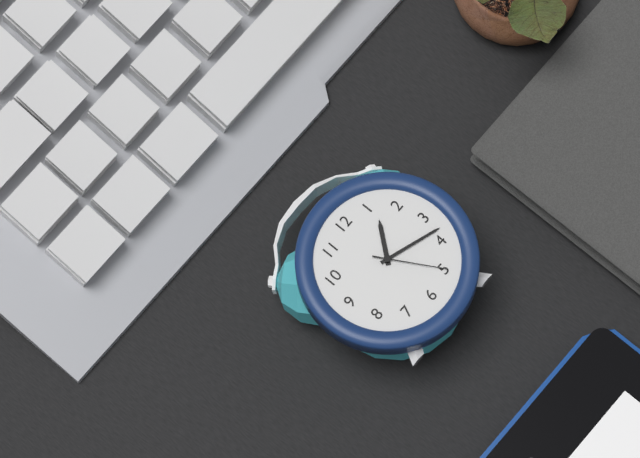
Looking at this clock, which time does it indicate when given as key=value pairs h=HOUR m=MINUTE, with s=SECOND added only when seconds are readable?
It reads h=1 m=18 s=25
